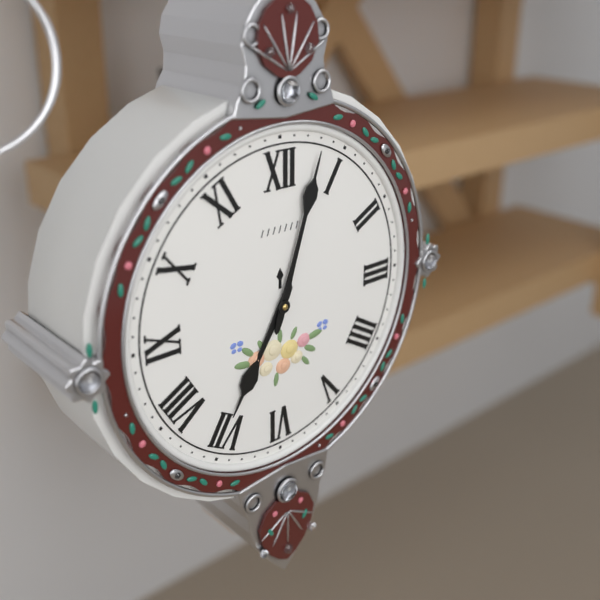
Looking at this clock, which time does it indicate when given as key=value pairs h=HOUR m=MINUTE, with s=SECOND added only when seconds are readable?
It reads h=7 m=3
